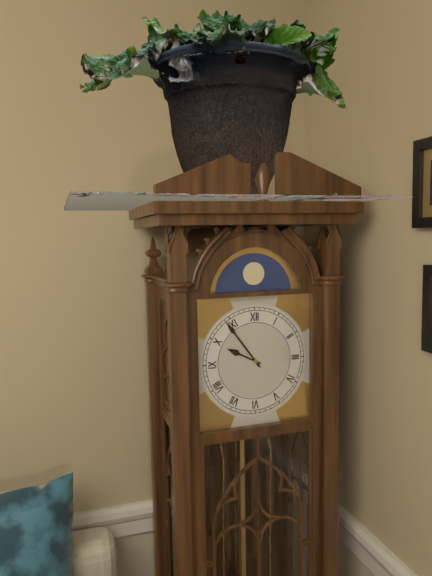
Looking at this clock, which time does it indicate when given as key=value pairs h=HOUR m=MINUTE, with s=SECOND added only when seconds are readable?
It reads h=9 m=54
